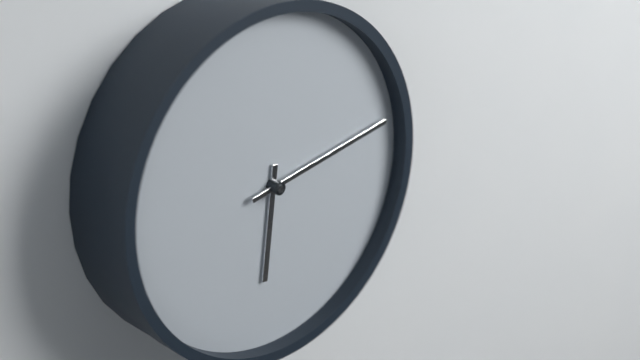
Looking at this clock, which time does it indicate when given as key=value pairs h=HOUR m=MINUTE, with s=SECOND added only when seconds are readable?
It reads h=6 m=13
